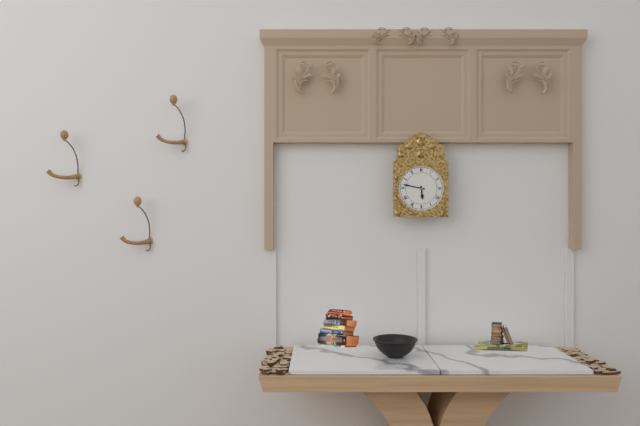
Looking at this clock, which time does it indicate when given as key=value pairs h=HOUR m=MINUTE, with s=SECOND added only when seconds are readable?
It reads h=5 m=47
